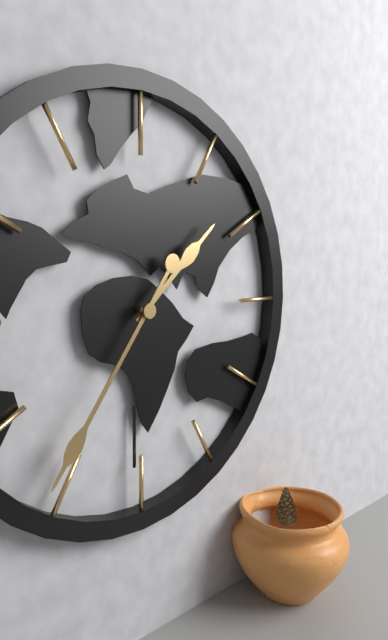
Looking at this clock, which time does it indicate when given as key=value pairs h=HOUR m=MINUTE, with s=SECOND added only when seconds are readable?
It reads h=1 m=36
